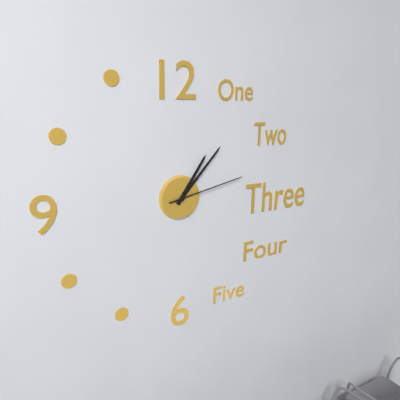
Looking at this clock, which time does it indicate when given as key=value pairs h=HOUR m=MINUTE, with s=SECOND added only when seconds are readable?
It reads h=1 m=7 s=13
